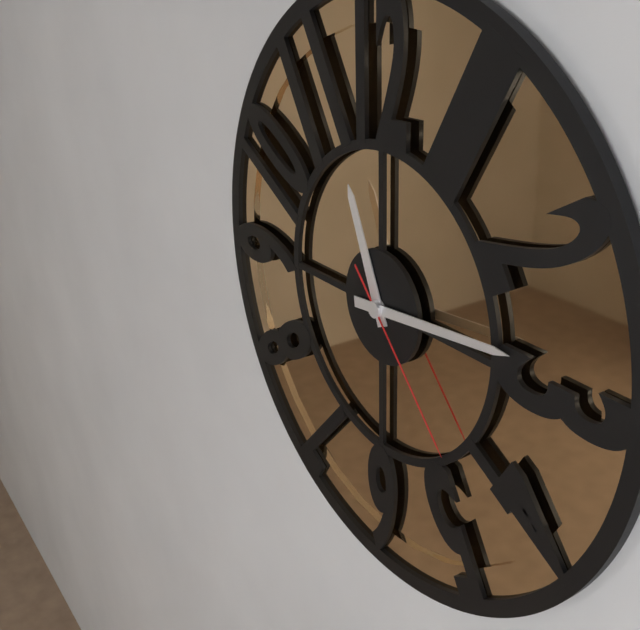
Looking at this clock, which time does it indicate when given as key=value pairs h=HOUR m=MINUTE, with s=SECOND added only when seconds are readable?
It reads h=11 m=14 s=23
